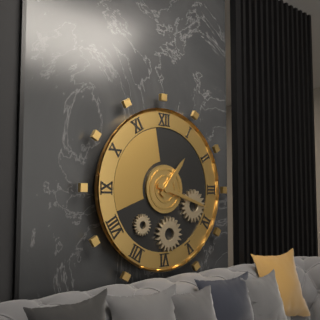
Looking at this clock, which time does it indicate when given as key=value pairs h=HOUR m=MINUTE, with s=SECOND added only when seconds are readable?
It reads h=1 m=18
